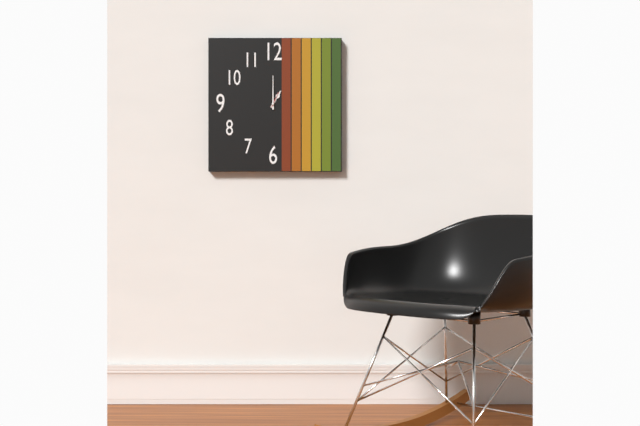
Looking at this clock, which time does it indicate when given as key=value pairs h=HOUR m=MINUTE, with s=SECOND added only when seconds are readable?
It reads h=1 m=0
